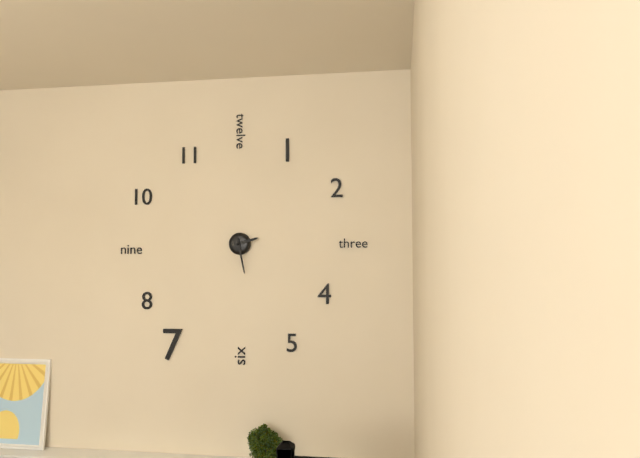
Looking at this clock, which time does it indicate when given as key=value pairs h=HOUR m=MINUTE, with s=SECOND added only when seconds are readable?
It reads h=2 m=28
